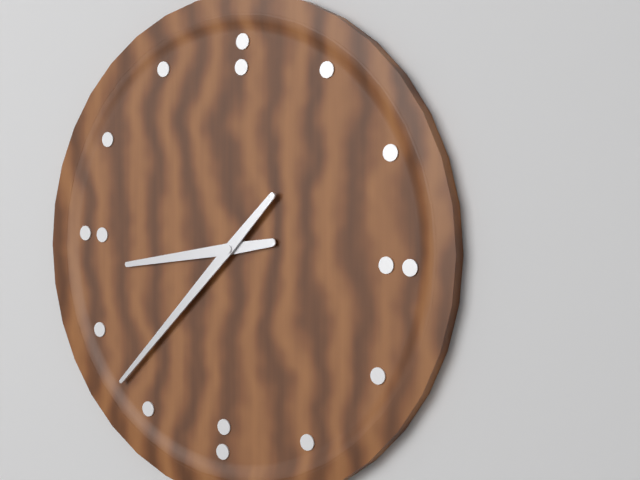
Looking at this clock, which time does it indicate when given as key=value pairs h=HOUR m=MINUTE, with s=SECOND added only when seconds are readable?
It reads h=8 m=37
